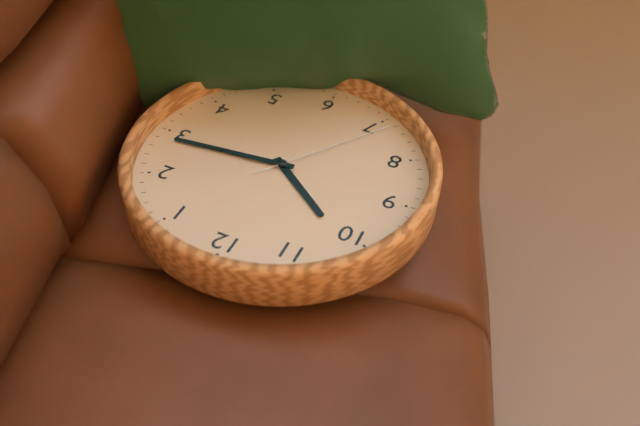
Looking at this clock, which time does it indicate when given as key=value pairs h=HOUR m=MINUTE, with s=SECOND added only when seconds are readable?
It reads h=10 m=14 s=36
